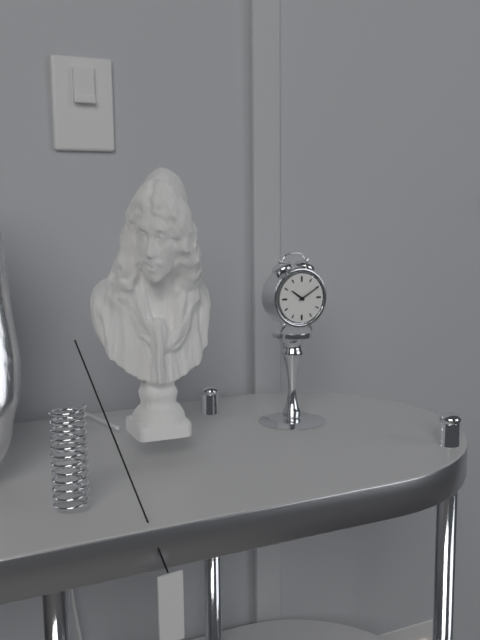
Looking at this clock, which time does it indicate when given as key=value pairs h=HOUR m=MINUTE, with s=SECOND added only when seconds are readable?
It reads h=10 m=10
